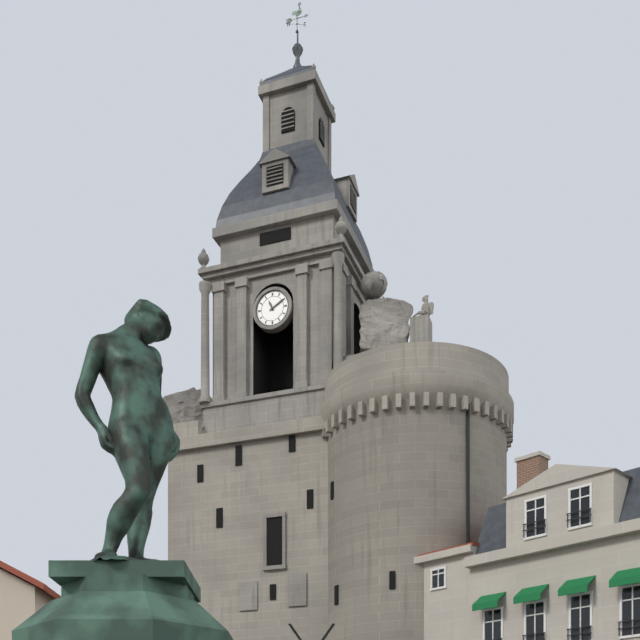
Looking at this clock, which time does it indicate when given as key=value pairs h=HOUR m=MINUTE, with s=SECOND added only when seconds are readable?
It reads h=11 m=10
